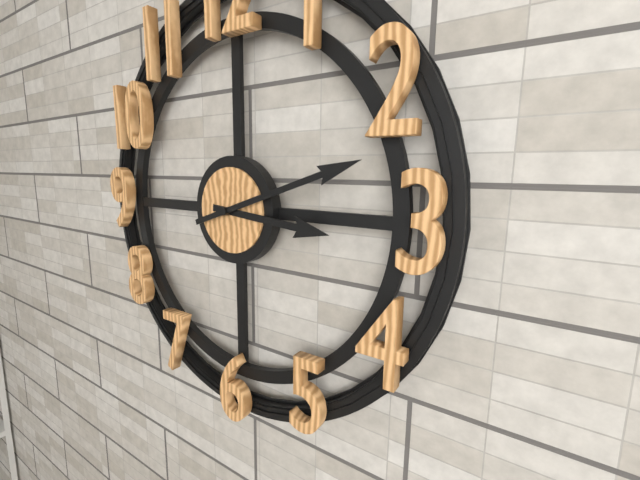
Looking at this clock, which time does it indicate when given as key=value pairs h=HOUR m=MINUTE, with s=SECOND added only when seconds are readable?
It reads h=3 m=12
